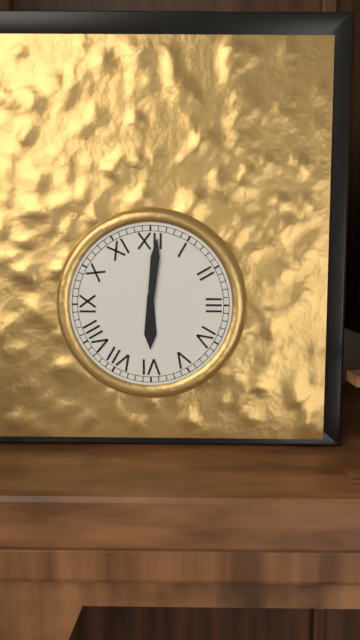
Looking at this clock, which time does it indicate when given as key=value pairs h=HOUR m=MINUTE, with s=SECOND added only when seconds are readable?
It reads h=6 m=1
